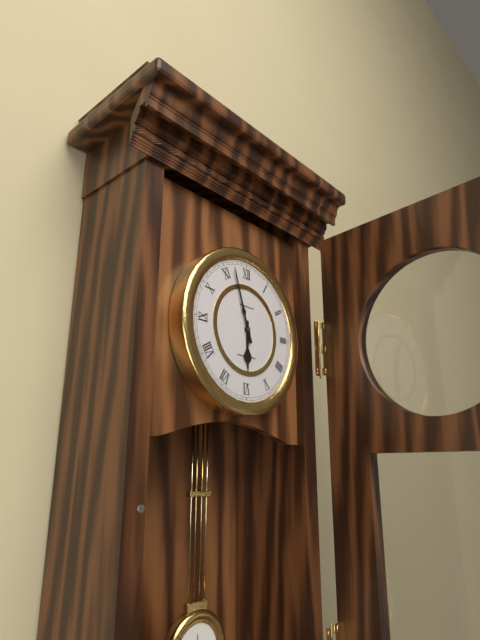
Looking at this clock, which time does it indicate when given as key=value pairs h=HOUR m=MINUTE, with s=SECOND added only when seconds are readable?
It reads h=5 m=57
